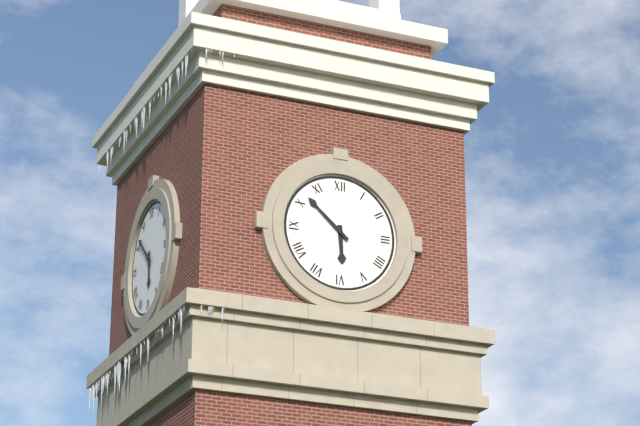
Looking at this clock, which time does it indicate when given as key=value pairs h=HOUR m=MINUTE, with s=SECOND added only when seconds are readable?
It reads h=5 m=52
